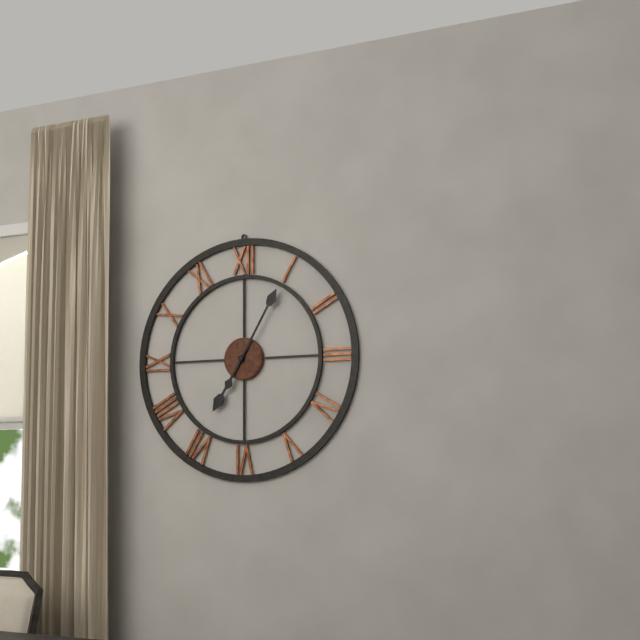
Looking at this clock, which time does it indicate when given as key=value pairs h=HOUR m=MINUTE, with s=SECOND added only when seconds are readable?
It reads h=7 m=5
